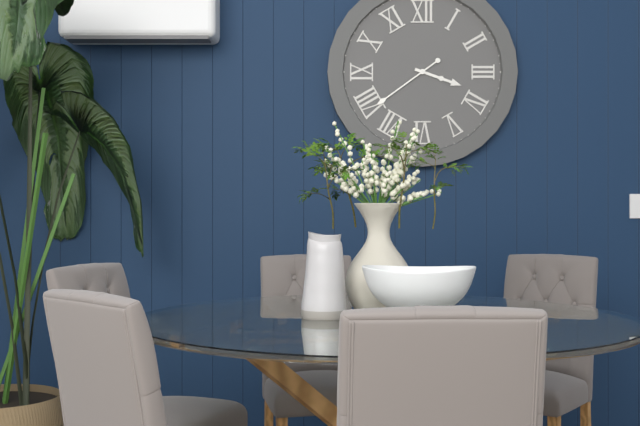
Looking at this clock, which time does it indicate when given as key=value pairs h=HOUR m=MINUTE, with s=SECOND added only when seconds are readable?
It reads h=3 m=39
